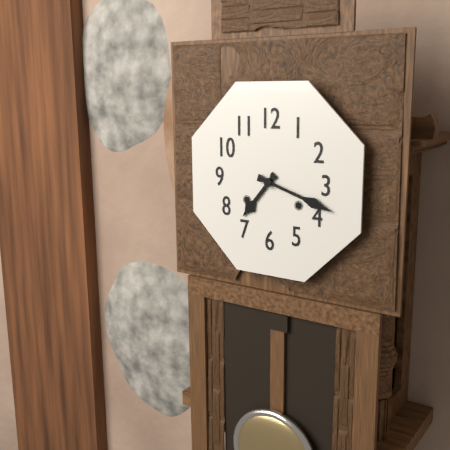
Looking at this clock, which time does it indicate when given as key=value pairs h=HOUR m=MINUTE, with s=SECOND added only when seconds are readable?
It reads h=7 m=18
